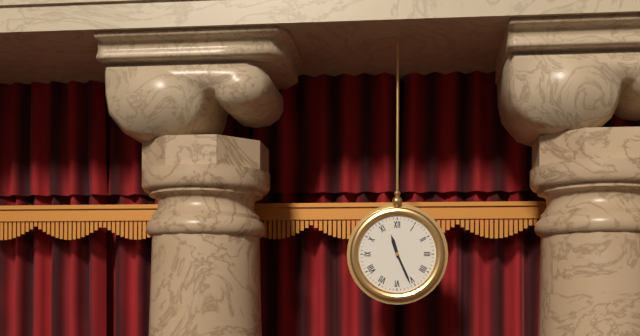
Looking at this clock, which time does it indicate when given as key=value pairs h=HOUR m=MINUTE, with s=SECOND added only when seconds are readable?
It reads h=11 m=26
